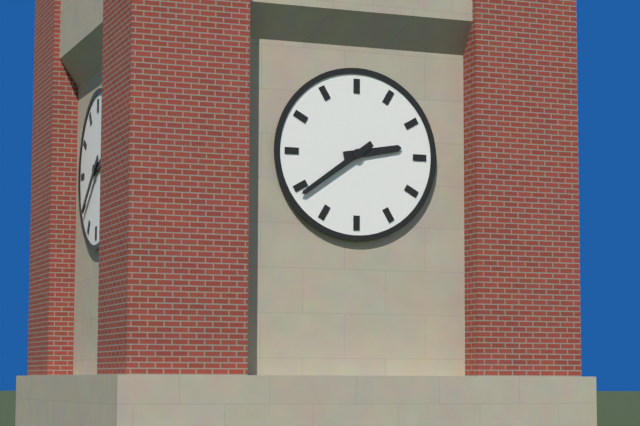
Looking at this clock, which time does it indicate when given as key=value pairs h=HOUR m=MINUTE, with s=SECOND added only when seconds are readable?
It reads h=2 m=39
